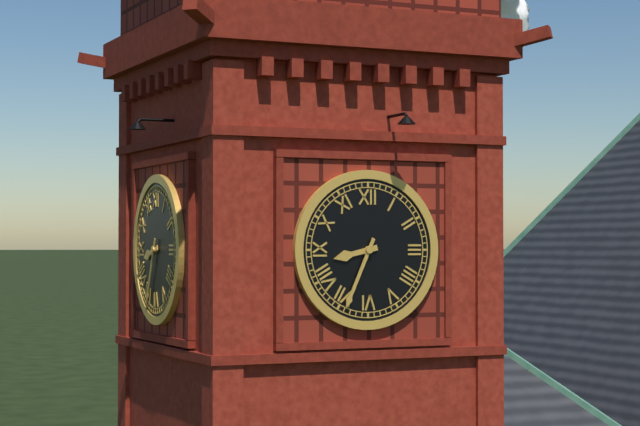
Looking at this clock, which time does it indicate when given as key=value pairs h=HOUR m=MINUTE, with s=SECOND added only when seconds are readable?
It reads h=8 m=34
